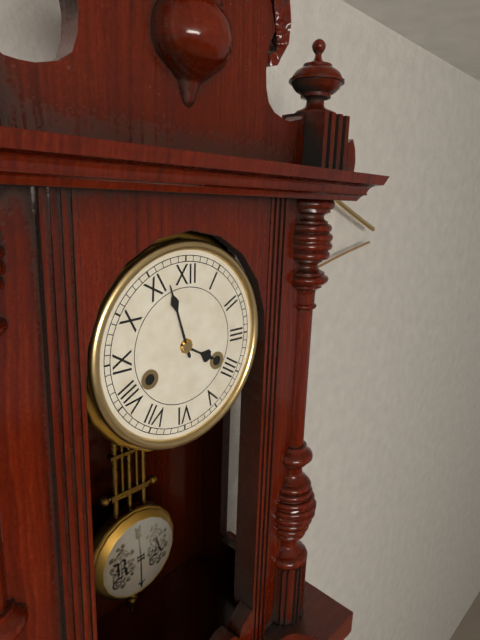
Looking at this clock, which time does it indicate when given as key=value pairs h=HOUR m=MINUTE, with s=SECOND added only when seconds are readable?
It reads h=3 m=57
